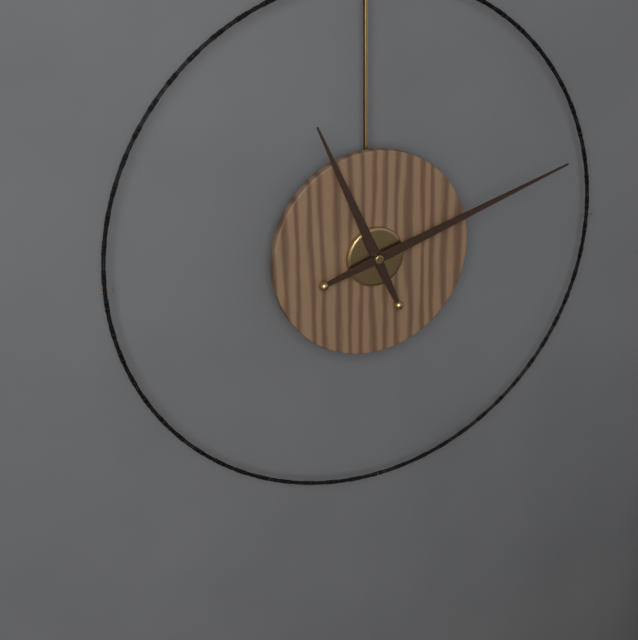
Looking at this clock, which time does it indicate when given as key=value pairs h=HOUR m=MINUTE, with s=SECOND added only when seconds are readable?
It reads h=11 m=12
